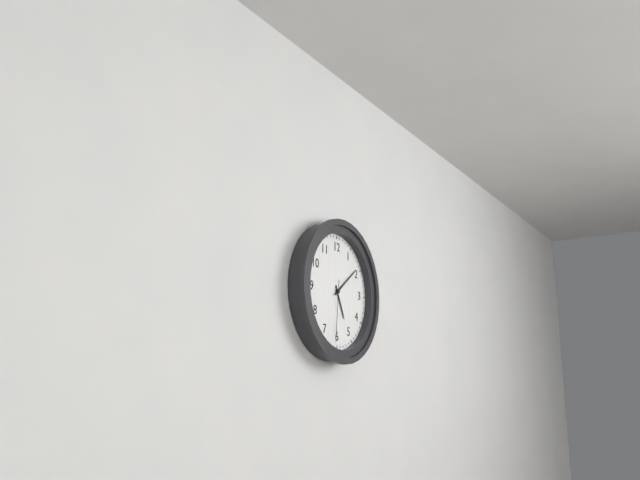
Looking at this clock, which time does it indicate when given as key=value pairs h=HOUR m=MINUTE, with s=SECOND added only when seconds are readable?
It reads h=5 m=9 s=31
